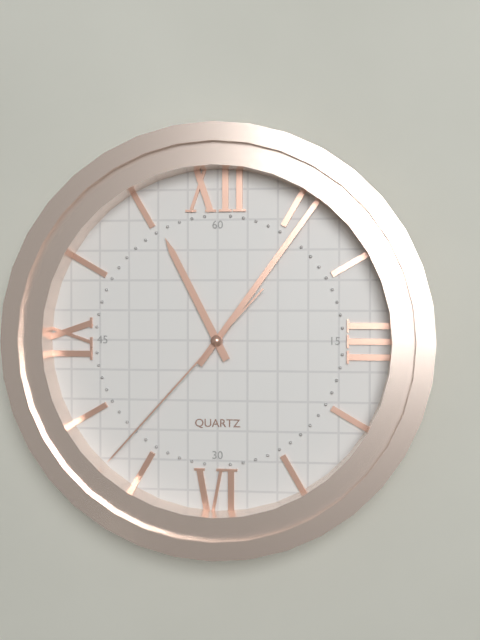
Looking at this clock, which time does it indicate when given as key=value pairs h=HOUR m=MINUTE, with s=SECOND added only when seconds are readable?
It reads h=11 m=6 s=37
